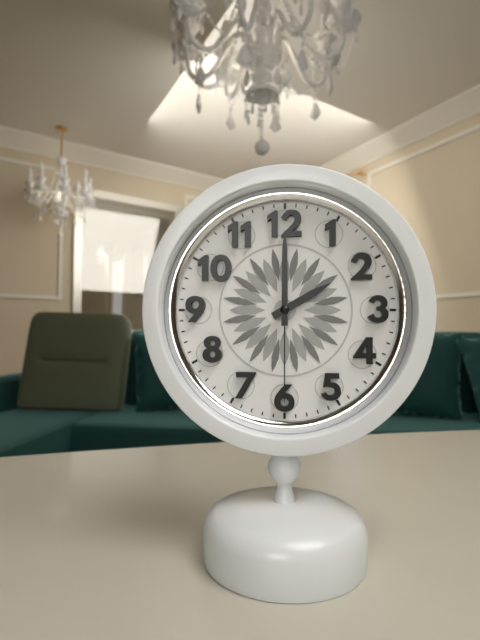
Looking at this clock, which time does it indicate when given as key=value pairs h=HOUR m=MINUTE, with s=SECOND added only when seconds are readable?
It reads h=2 m=0 s=30
